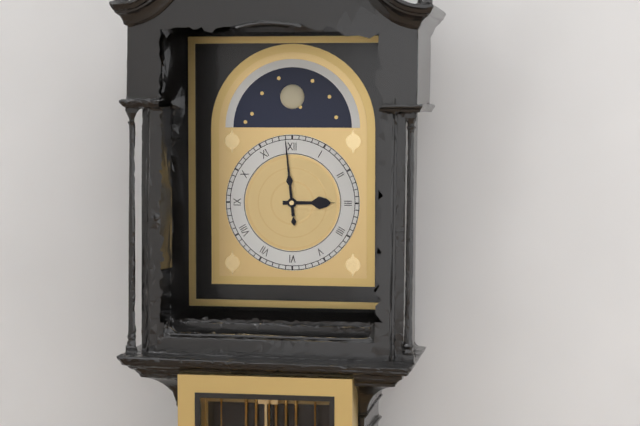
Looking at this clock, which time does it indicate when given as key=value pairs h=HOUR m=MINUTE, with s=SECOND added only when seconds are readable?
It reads h=2 m=59
